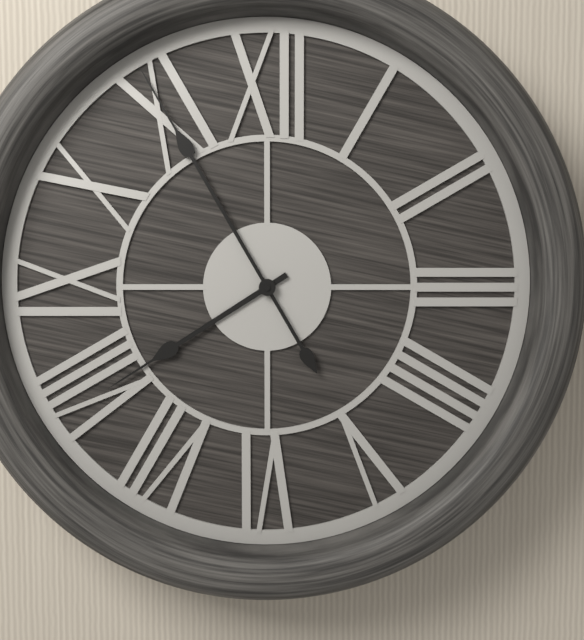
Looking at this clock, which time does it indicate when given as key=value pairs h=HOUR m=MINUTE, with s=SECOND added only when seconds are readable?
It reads h=7 m=55
